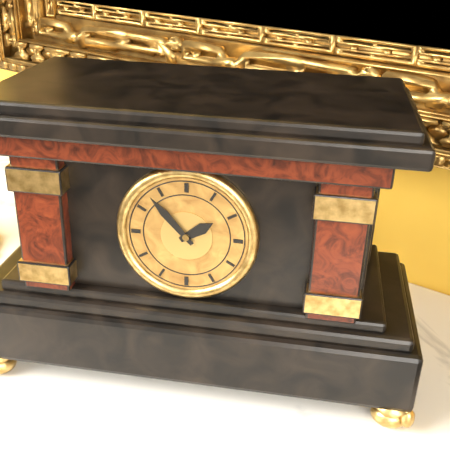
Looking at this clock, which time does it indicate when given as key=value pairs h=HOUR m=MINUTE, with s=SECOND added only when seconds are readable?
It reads h=1 m=53
